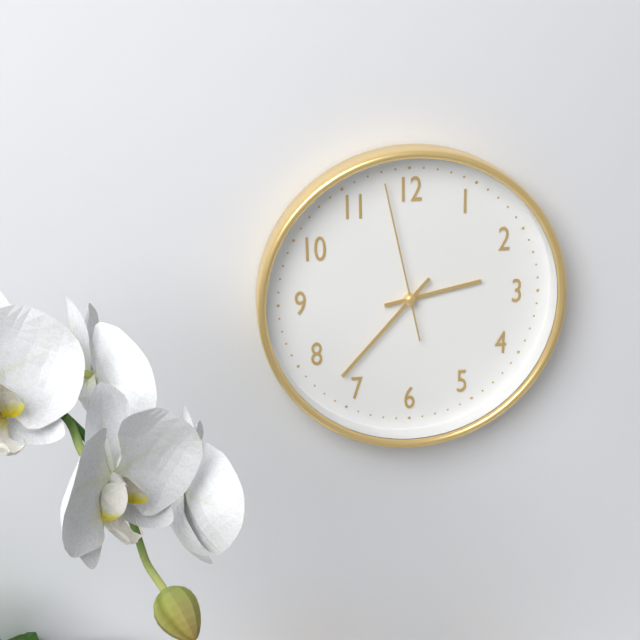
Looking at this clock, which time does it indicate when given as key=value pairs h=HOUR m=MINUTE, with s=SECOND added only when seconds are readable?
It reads h=2 m=37 s=58
